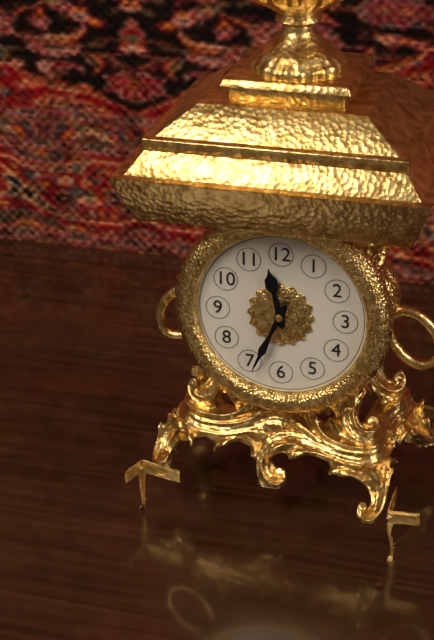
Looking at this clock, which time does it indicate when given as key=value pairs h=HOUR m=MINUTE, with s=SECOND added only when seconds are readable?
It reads h=11 m=34
